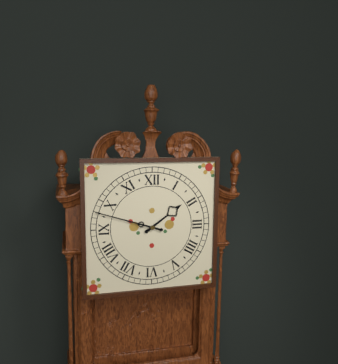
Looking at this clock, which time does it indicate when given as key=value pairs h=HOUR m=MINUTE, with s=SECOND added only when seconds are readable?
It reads h=1 m=48
